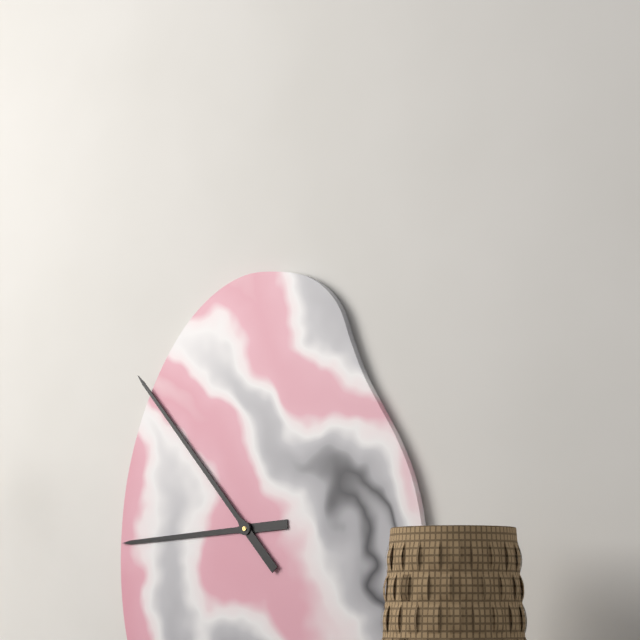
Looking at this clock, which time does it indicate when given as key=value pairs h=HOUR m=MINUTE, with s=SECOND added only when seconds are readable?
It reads h=8 m=53
